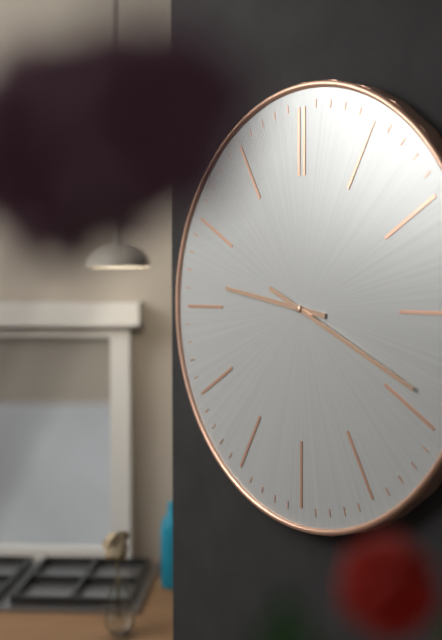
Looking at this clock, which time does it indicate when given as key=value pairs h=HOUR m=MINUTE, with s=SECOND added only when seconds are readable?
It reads h=9 m=19
